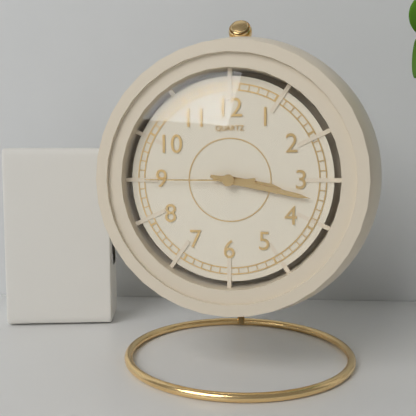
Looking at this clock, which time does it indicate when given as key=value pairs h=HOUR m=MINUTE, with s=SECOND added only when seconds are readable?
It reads h=3 m=17 s=45
